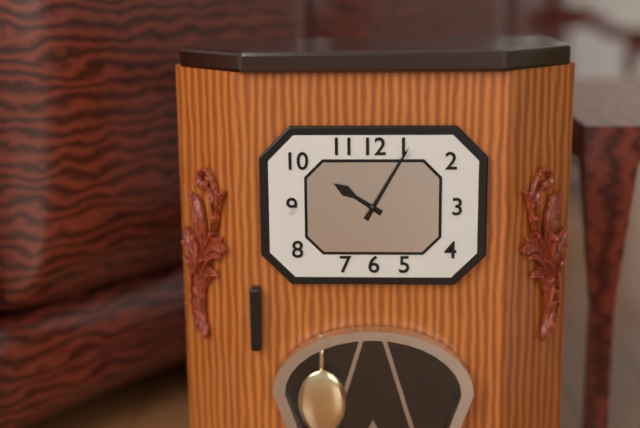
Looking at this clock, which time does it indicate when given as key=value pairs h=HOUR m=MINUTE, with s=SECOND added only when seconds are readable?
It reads h=10 m=5
